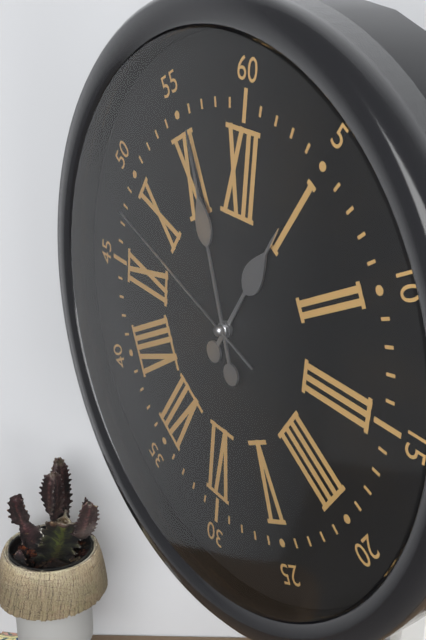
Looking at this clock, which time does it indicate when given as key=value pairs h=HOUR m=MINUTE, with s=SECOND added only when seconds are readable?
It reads h=12 m=56 s=48
